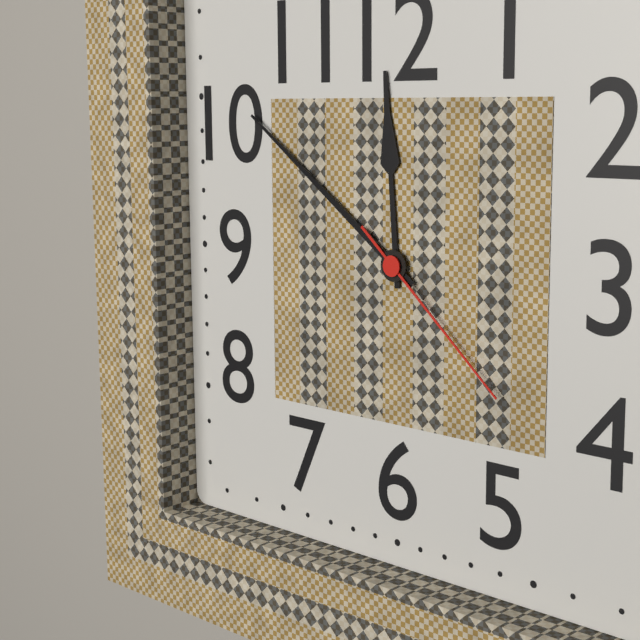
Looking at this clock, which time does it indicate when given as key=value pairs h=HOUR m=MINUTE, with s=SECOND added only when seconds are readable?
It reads h=11 m=51 s=22
